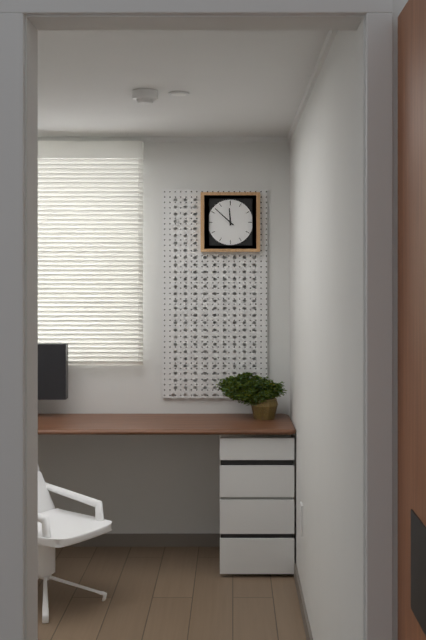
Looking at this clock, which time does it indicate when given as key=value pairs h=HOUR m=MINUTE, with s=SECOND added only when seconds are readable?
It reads h=11 m=52
